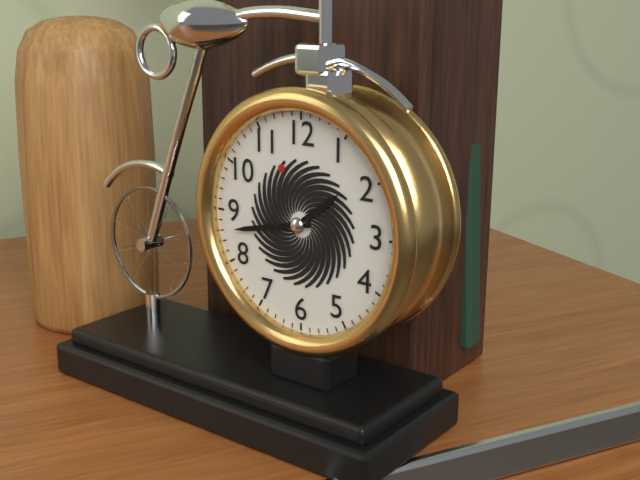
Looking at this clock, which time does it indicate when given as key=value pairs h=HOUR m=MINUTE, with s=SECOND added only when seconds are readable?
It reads h=1 m=43
